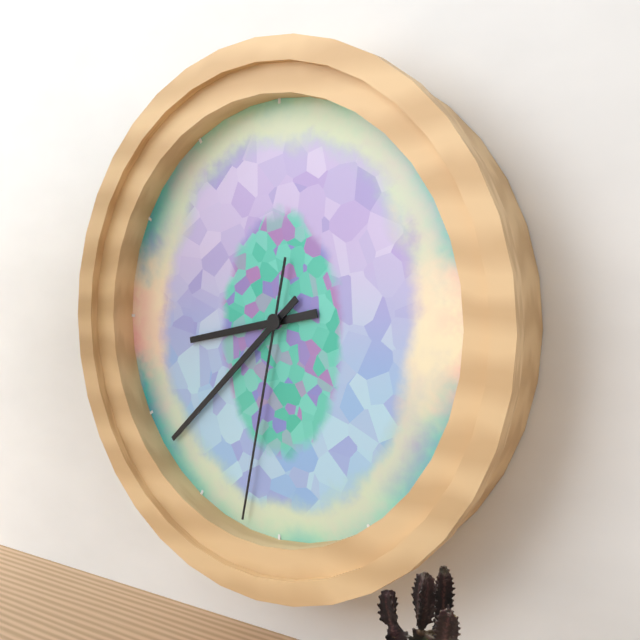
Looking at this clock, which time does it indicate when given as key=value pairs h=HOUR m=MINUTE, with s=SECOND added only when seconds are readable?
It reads h=8 m=38 s=32
